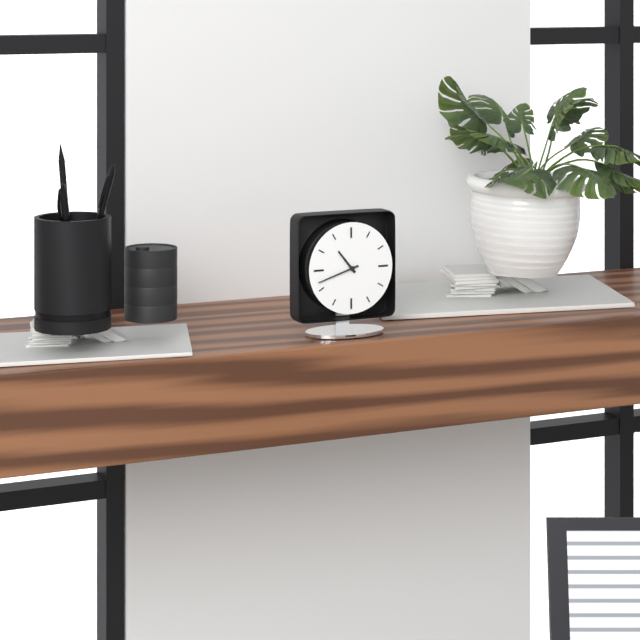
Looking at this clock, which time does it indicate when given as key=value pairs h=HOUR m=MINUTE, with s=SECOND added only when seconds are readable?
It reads h=10 m=42
